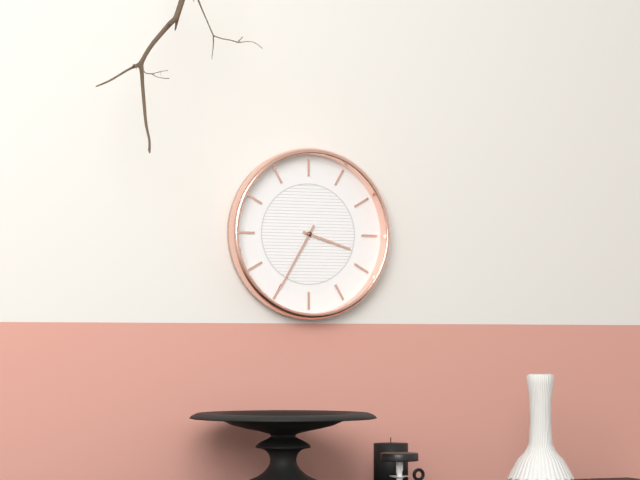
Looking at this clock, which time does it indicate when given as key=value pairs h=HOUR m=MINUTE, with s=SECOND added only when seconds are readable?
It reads h=3 m=35
